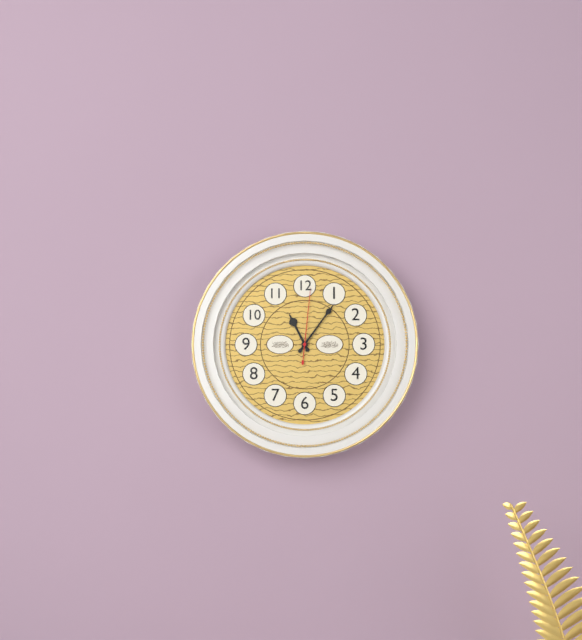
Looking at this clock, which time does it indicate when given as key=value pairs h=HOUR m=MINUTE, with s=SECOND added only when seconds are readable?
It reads h=11 m=6 s=1
